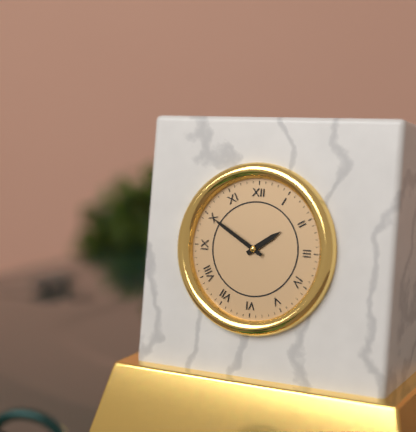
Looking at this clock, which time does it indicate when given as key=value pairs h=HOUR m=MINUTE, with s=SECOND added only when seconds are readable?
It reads h=1 m=50
